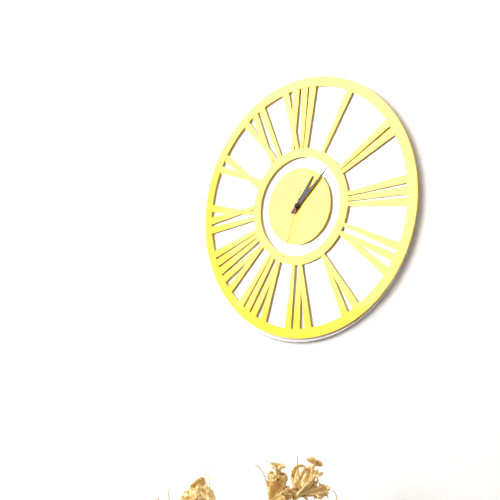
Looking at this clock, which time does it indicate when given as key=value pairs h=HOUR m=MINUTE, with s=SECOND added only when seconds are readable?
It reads h=1 m=8 s=33
